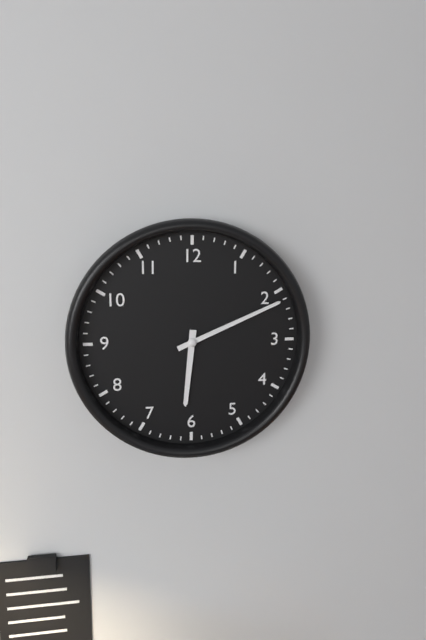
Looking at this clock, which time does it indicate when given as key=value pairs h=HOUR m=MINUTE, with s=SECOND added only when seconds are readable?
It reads h=6 m=11
